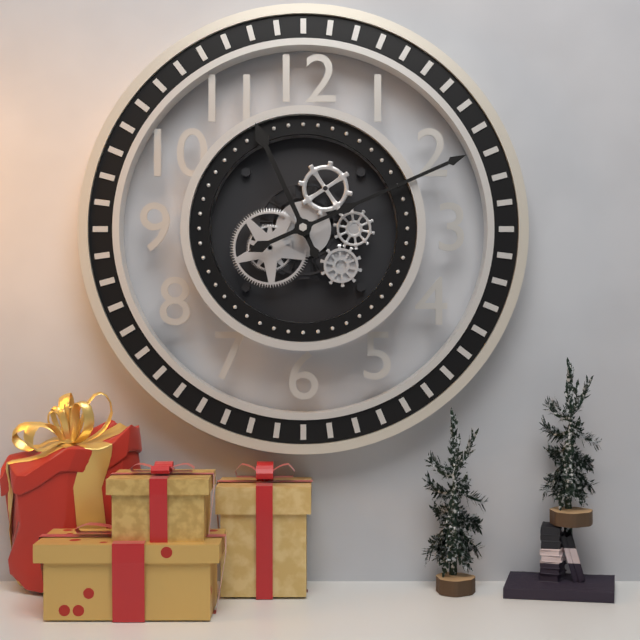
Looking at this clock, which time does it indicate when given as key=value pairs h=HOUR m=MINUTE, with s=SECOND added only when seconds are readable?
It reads h=11 m=11
